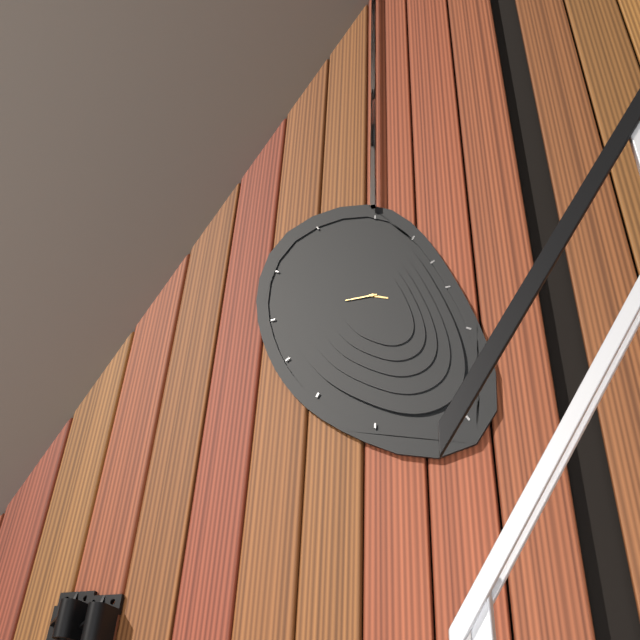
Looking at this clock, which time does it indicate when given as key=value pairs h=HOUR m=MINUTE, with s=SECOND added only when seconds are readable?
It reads h=3 m=45
